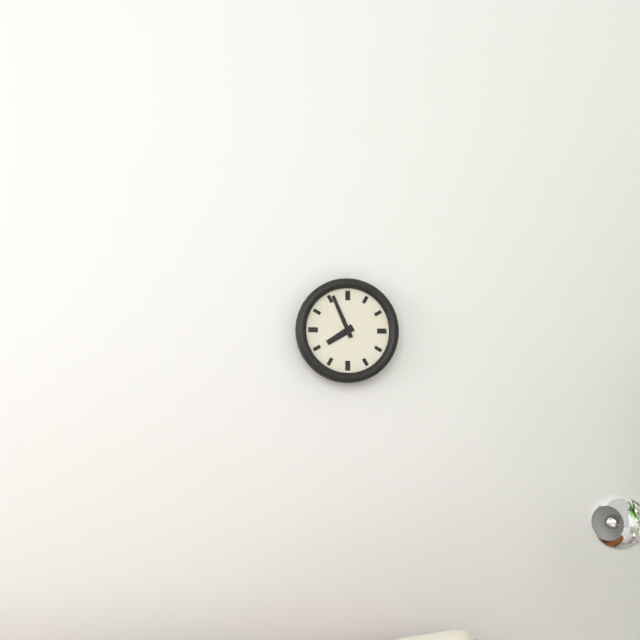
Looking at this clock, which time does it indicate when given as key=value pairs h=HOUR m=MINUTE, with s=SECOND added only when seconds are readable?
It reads h=7 m=56
